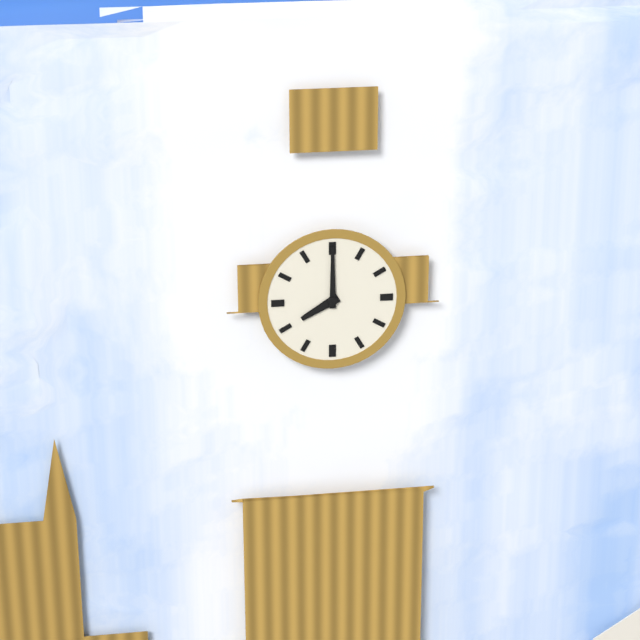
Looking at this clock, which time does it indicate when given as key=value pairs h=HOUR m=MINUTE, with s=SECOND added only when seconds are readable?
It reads h=8 m=0
